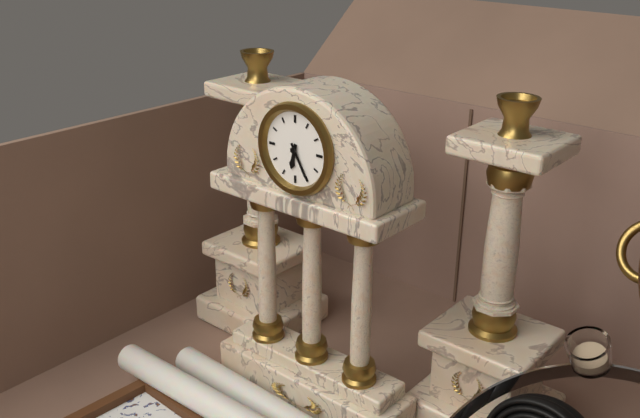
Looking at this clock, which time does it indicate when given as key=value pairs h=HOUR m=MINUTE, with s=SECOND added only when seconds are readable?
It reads h=6 m=25
